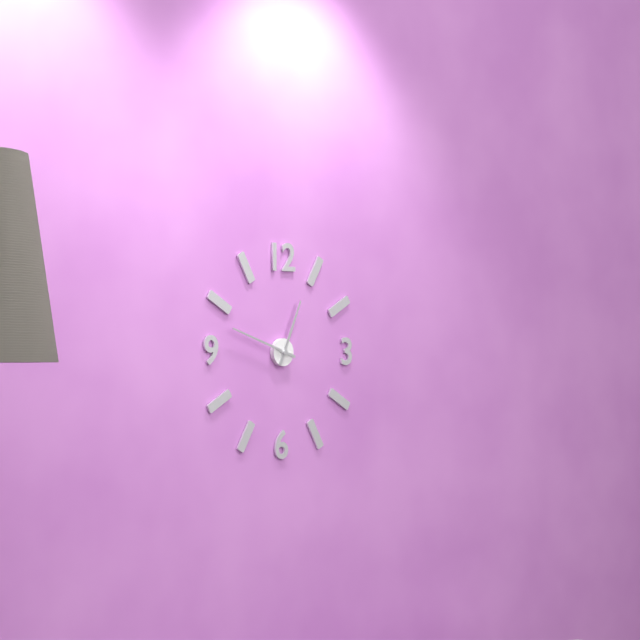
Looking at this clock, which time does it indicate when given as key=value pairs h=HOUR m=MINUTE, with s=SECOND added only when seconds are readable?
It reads h=12 m=48
